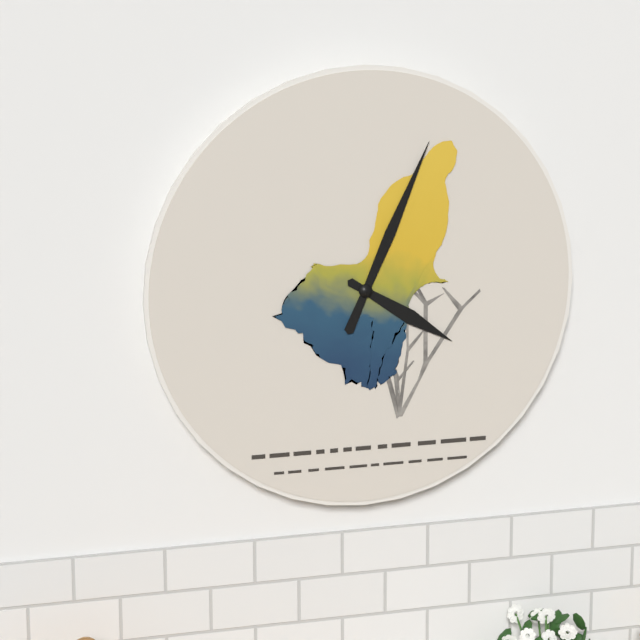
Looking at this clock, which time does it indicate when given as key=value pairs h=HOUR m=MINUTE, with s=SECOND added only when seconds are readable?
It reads h=4 m=4
